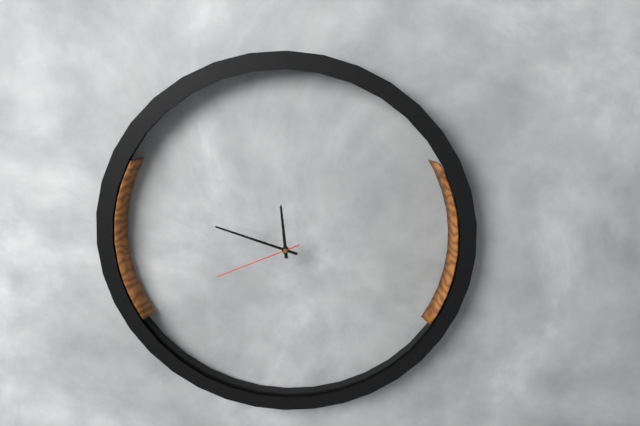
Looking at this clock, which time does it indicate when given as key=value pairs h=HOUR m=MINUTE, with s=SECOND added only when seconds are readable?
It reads h=11 m=48 s=41
